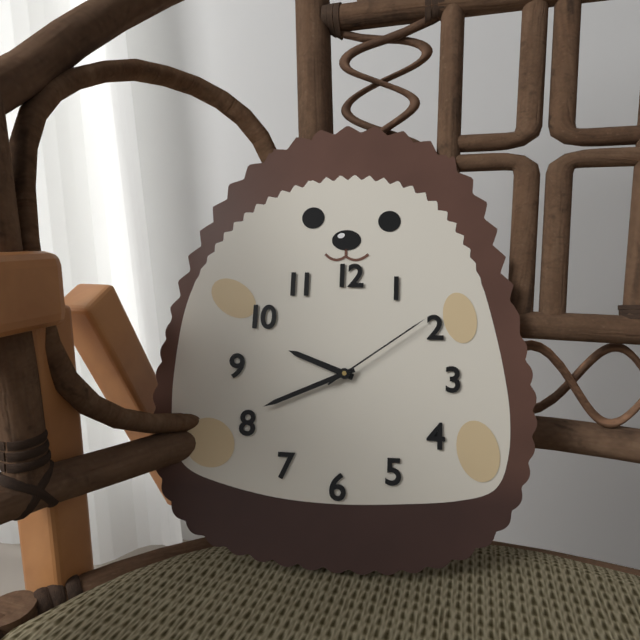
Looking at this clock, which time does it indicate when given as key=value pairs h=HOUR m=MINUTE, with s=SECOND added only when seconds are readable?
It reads h=9 m=41 s=9
